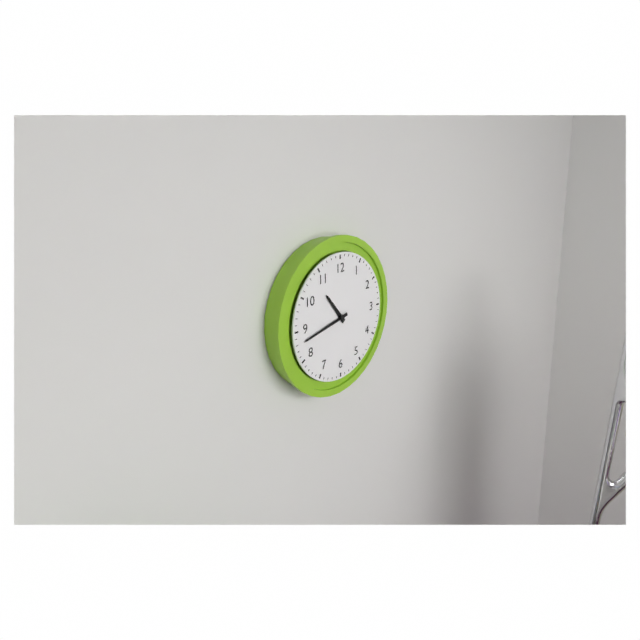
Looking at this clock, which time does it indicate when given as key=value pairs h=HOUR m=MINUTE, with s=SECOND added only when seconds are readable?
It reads h=10 m=43
